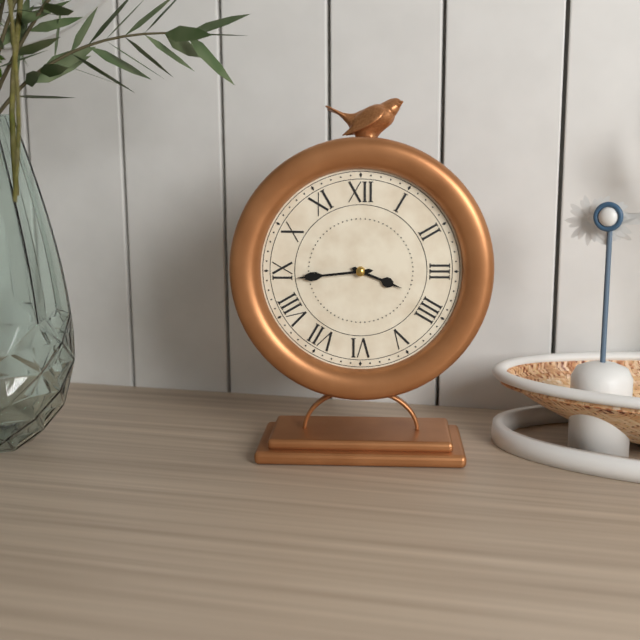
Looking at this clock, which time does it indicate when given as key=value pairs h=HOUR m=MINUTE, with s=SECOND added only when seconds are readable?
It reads h=3 m=44
